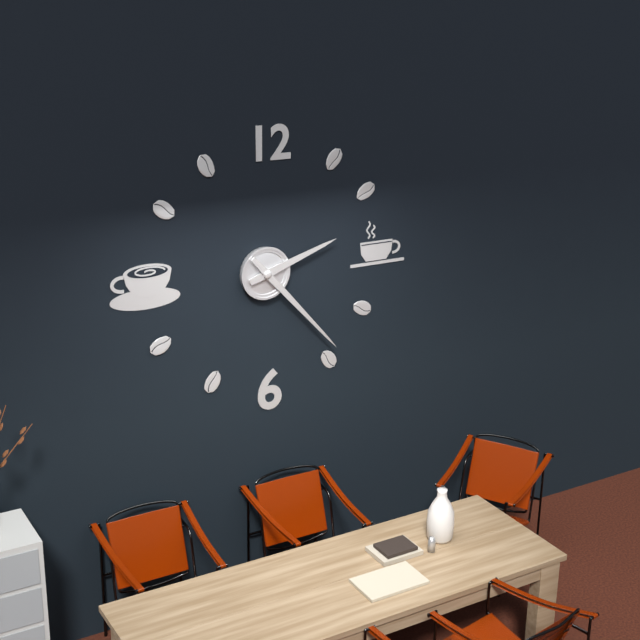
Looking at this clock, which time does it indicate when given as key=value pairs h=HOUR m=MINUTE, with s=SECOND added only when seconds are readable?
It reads h=2 m=23
